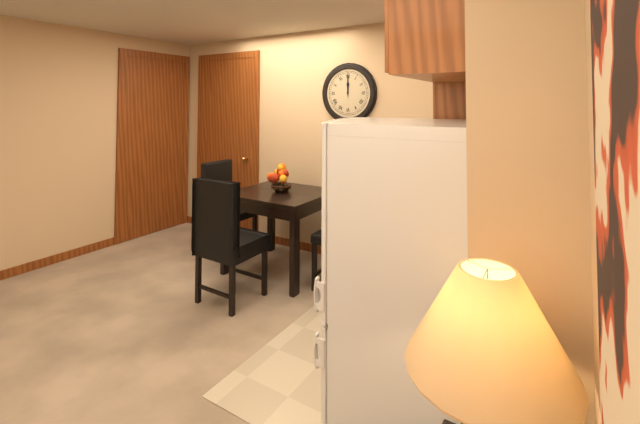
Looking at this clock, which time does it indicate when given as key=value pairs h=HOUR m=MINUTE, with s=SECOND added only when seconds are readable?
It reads h=12 m=0
